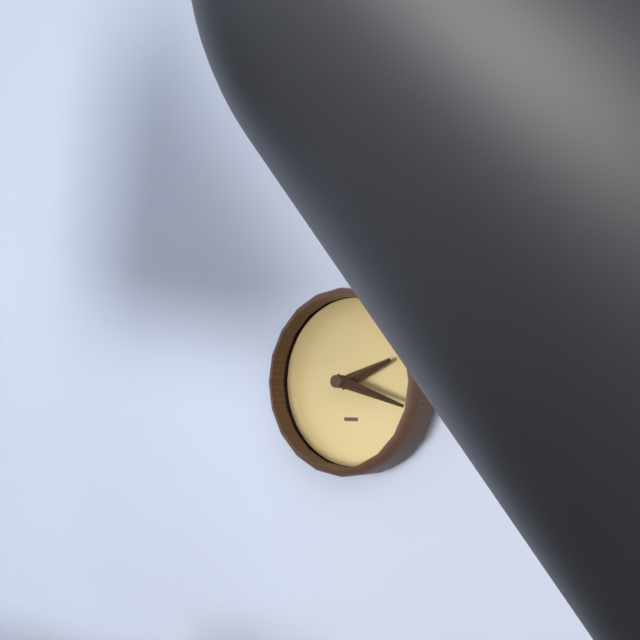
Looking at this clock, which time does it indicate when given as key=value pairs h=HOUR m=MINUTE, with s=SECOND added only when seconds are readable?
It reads h=2 m=18
